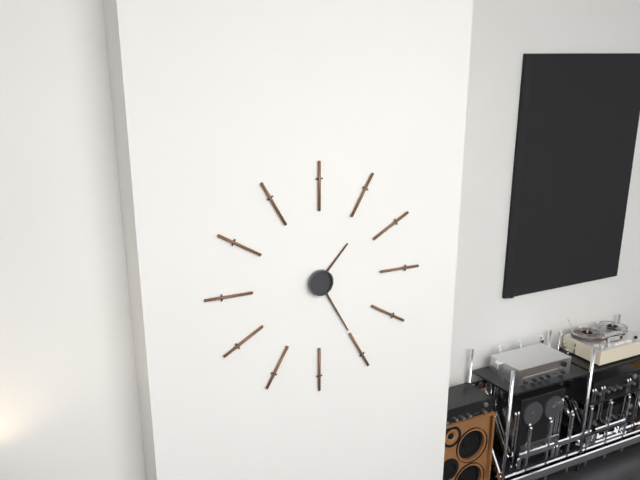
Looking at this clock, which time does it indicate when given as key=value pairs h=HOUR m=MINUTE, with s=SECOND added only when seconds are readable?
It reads h=1 m=25
